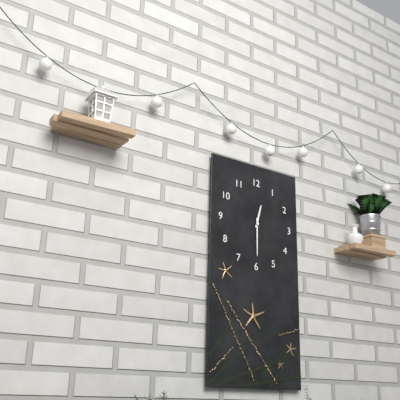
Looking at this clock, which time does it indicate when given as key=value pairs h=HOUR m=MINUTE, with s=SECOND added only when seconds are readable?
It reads h=12 m=30
